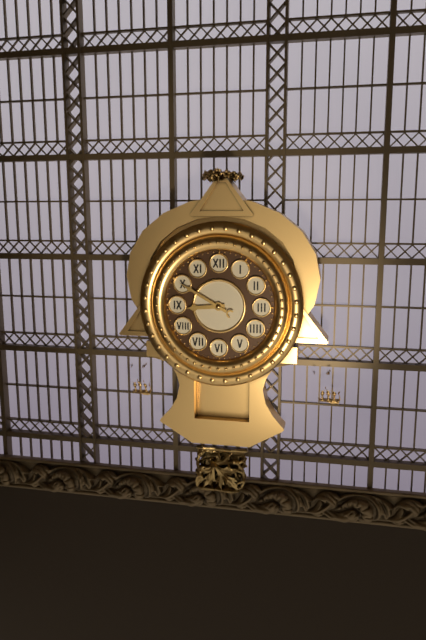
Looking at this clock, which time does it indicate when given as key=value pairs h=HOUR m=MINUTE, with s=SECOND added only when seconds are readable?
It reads h=8 m=50
